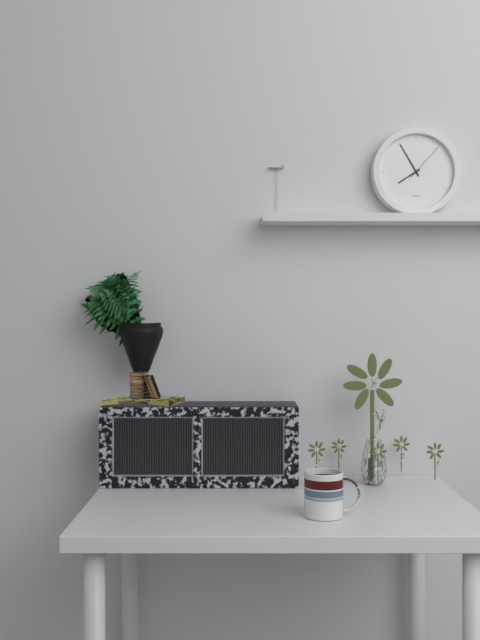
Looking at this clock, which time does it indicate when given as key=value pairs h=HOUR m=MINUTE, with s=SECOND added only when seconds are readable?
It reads h=7 m=55
